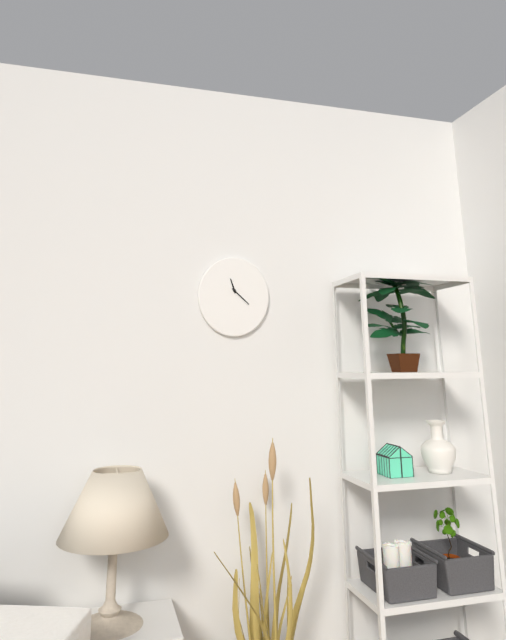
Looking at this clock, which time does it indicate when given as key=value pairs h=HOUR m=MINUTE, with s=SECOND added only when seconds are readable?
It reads h=11 m=22
